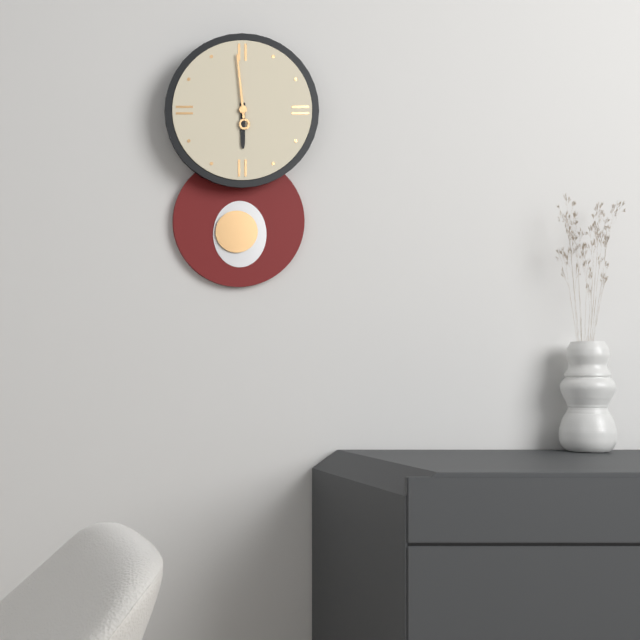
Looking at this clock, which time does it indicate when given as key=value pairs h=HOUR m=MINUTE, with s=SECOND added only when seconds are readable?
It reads h=5 m=59
